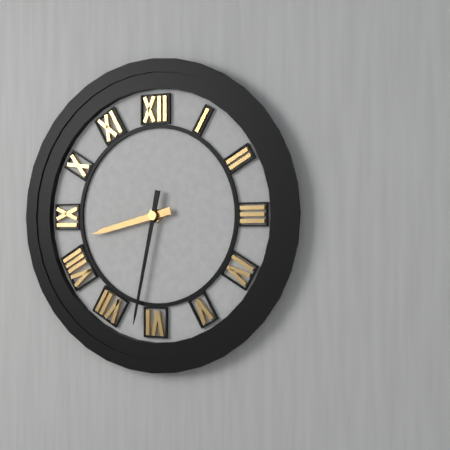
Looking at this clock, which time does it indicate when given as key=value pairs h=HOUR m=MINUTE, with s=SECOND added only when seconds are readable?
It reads h=8 m=32
